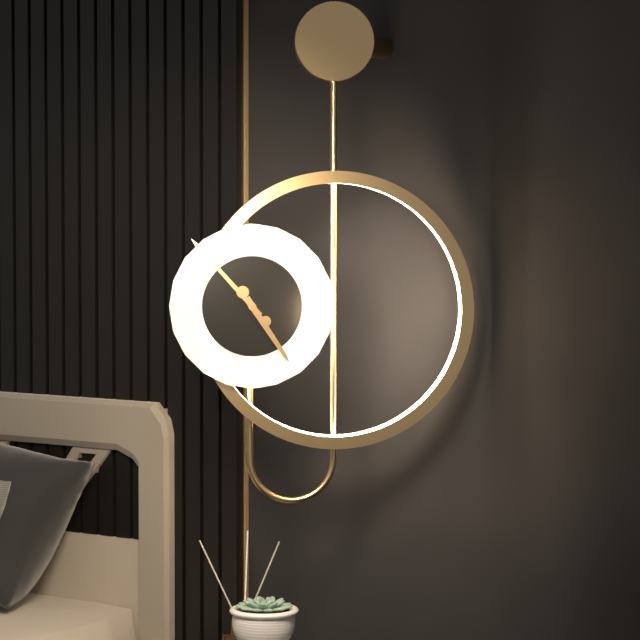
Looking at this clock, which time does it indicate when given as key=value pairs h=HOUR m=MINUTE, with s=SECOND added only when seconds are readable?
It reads h=4 m=53
